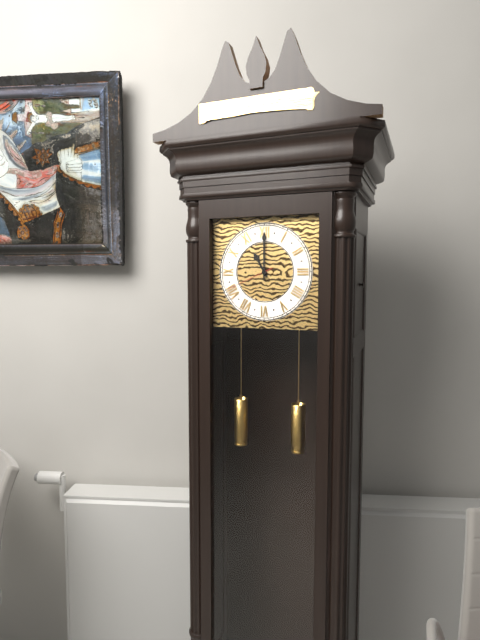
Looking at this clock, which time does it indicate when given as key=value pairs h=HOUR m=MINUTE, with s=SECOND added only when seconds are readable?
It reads h=11 m=0 s=41
